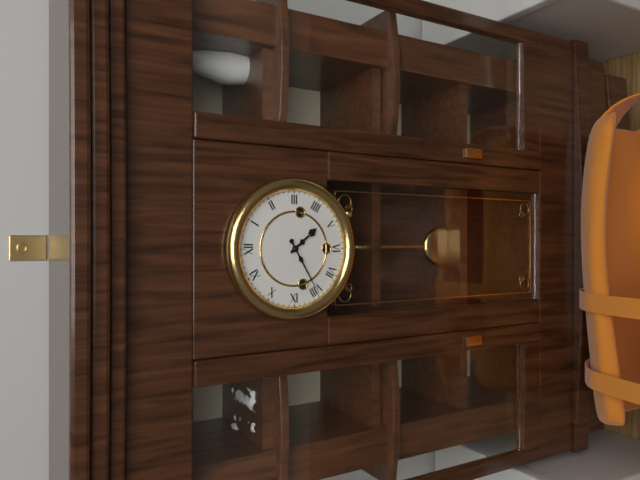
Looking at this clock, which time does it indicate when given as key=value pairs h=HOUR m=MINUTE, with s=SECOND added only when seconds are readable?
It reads h=4 m=40
